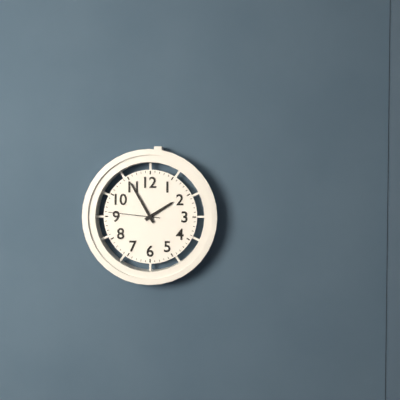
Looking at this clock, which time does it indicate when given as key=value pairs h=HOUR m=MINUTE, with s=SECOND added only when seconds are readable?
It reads h=1 m=55 s=46
